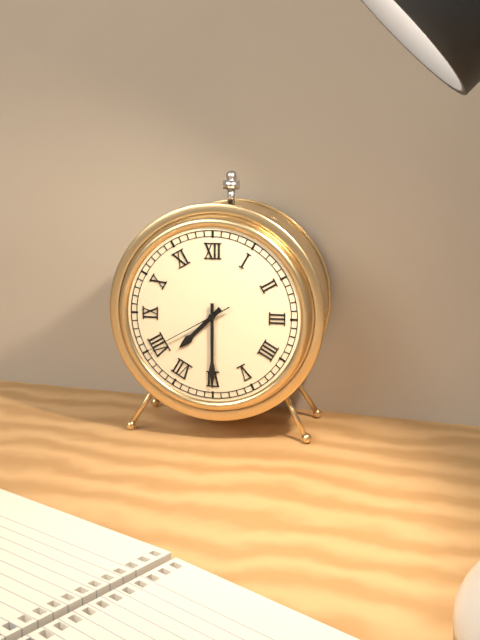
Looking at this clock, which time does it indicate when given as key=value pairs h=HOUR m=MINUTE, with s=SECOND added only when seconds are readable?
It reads h=7 m=30 s=40
